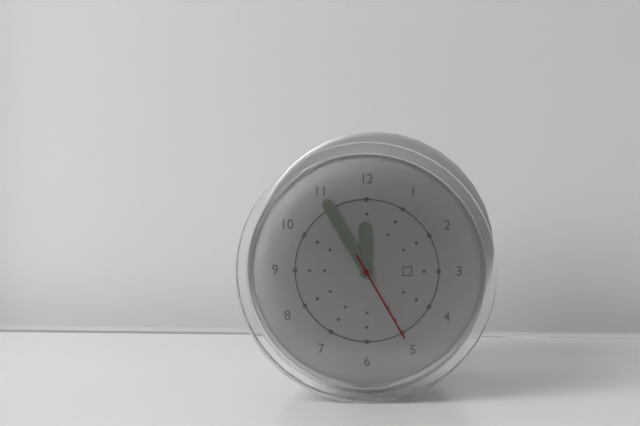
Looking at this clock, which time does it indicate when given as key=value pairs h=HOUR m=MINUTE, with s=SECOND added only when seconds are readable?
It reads h=11 m=55 s=25
